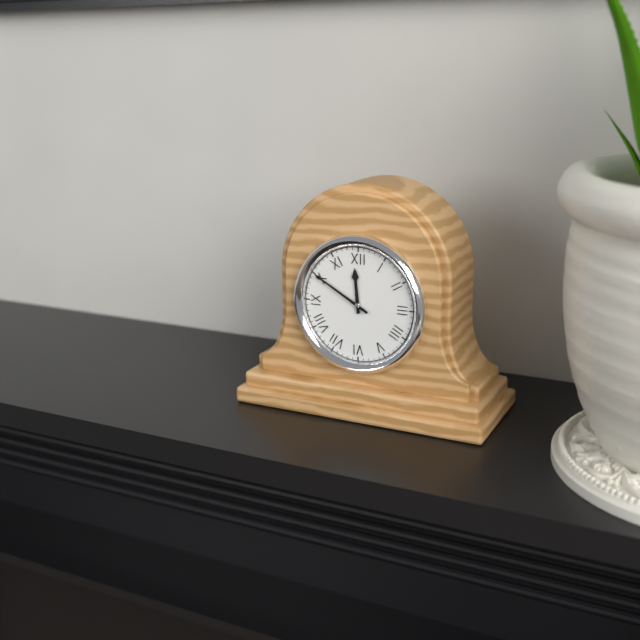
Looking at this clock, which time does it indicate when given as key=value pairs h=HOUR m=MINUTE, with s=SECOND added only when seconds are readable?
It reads h=11 m=50
